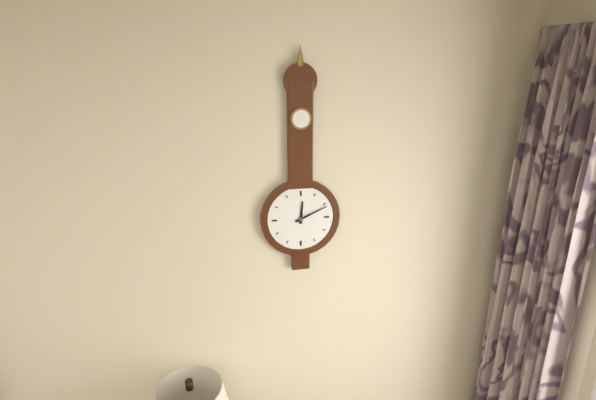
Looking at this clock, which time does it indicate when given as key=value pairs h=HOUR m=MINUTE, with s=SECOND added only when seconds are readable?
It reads h=12 m=11
